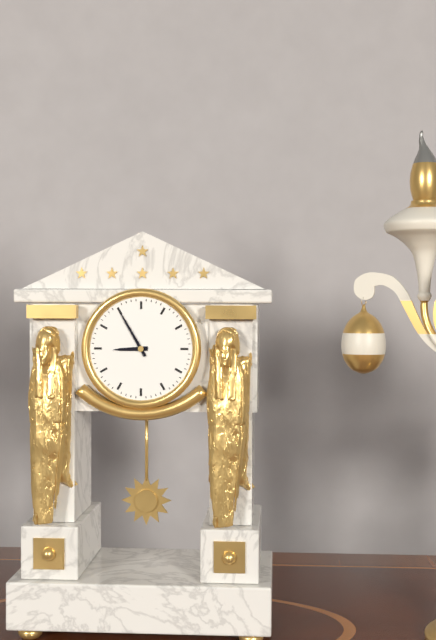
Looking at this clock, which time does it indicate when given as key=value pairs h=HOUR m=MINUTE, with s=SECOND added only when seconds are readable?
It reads h=8 m=55
